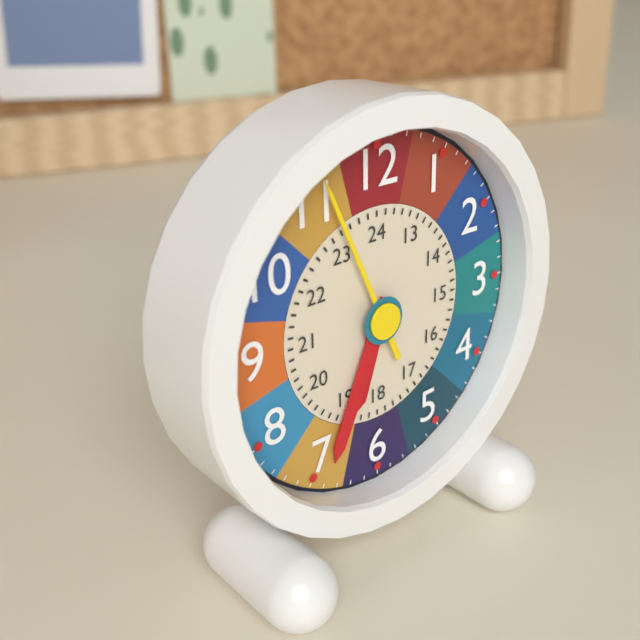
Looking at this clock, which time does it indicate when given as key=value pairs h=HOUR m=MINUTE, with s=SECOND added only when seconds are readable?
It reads h=6 m=34 s=56
